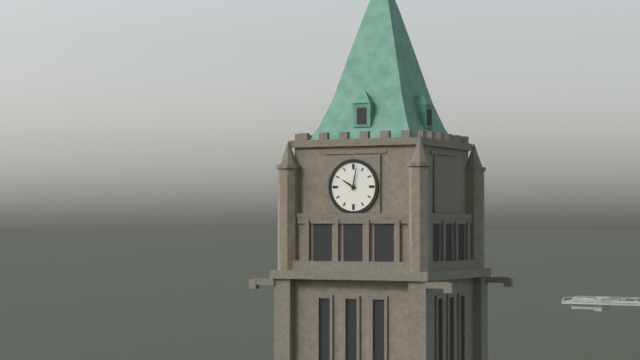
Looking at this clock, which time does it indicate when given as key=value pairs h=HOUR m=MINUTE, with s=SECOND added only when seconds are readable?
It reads h=10 m=2
